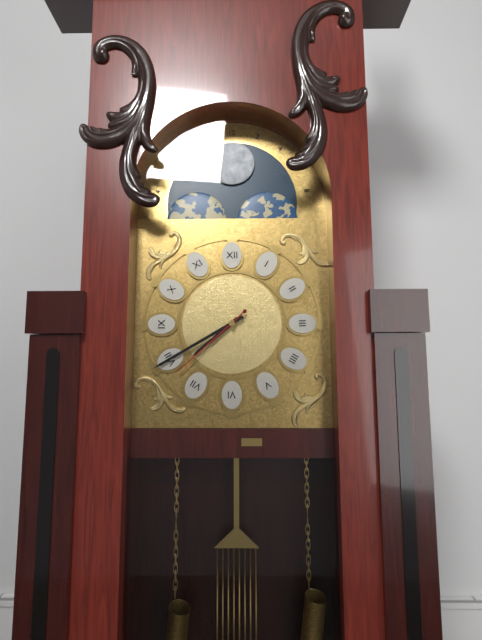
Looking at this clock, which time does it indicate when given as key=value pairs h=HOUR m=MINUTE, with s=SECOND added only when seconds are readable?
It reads h=7 m=40 s=38
